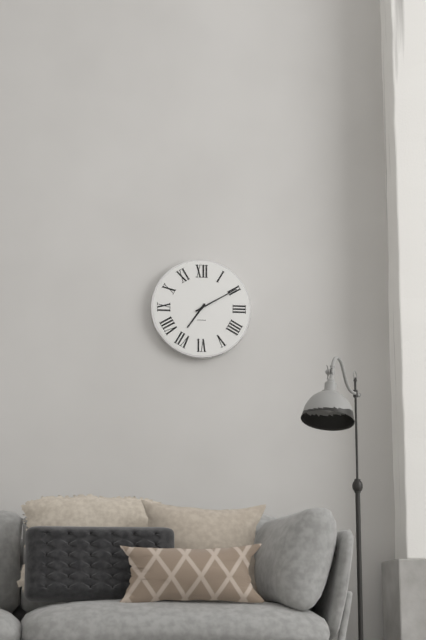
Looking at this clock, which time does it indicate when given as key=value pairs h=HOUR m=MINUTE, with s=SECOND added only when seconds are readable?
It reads h=7 m=10
